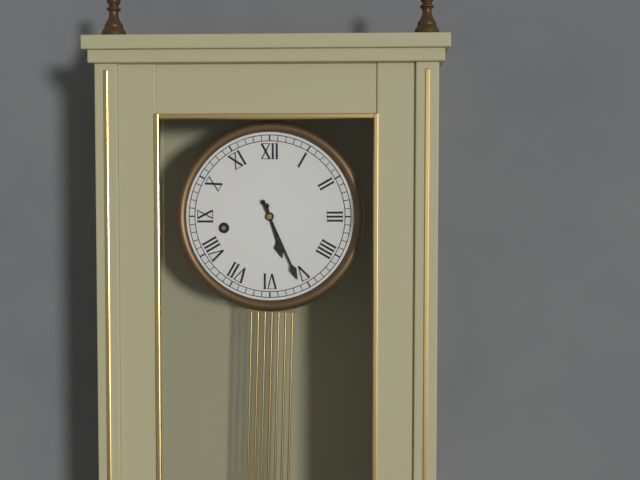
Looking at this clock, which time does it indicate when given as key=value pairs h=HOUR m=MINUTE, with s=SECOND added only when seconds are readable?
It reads h=5 m=26
